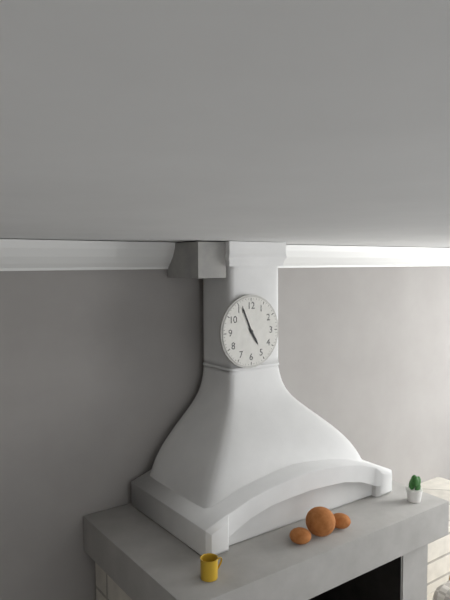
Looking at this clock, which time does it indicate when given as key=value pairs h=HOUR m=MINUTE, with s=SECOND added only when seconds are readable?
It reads h=4 m=56
